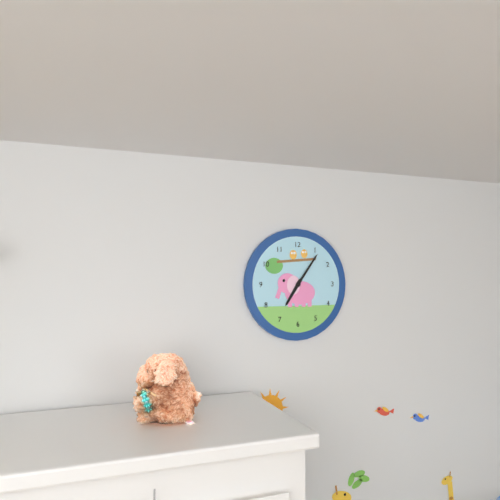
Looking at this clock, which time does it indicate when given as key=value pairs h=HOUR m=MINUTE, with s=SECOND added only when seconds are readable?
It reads h=7 m=6
